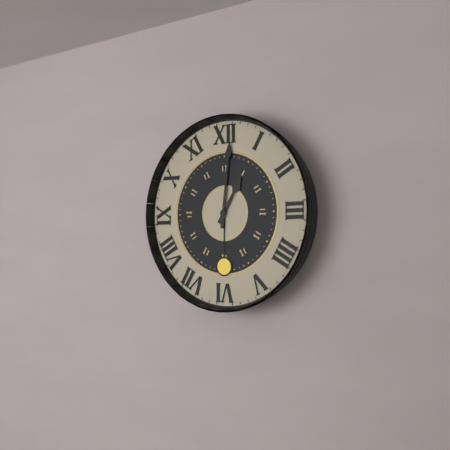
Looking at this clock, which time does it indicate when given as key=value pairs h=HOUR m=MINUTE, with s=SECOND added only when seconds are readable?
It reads h=1 m=1
